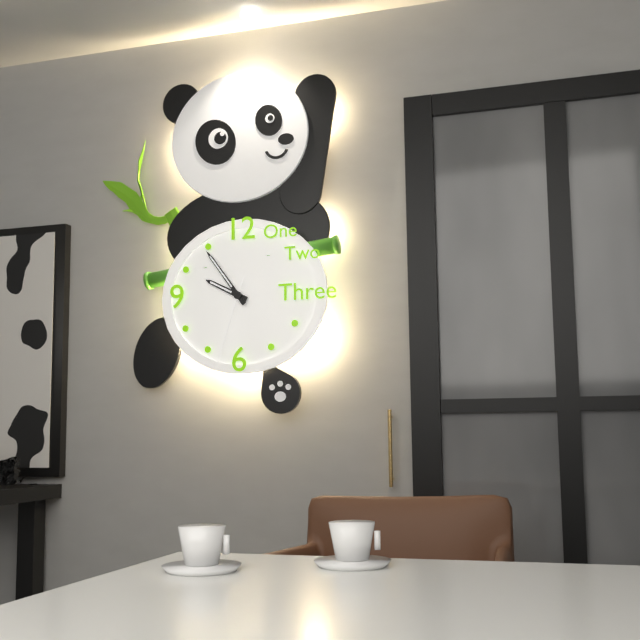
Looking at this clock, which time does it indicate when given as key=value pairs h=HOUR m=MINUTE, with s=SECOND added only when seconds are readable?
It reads h=9 m=54 s=33
